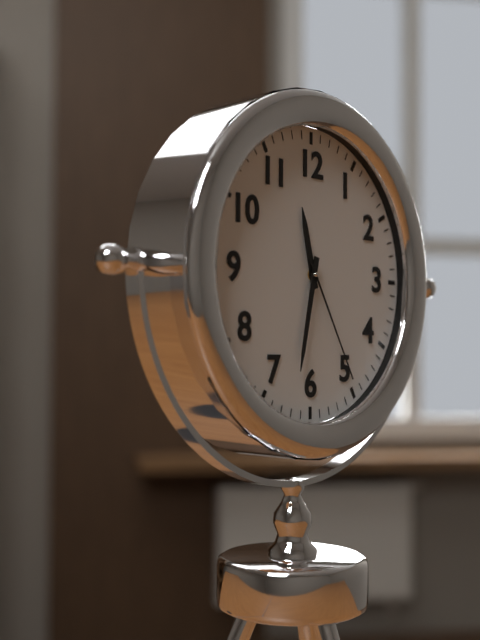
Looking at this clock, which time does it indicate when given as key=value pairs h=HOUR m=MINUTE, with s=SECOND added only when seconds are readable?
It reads h=11 m=32 s=25
